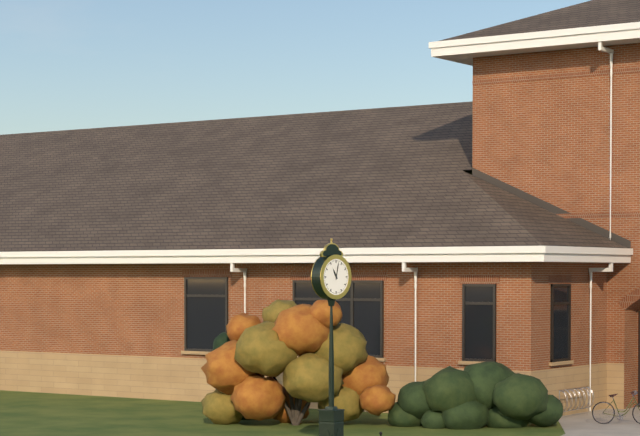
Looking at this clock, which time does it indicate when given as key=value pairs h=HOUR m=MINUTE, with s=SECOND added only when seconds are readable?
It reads h=11 m=2
